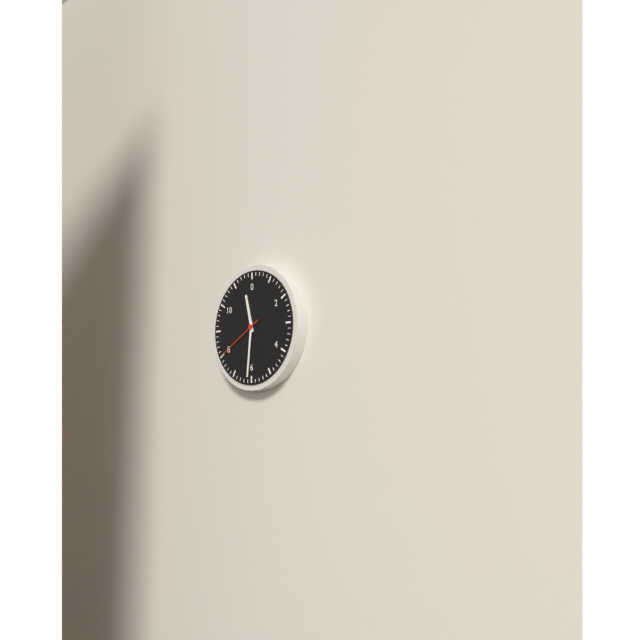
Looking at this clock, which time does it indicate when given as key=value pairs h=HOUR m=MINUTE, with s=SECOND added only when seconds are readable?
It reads h=11 m=31 s=40
